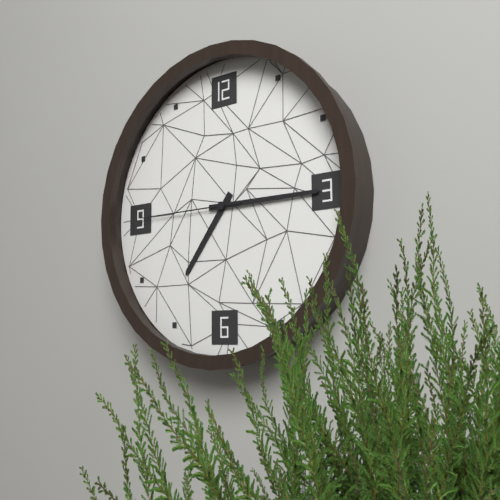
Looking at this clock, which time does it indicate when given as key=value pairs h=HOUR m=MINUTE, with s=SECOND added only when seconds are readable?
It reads h=7 m=15 s=45
